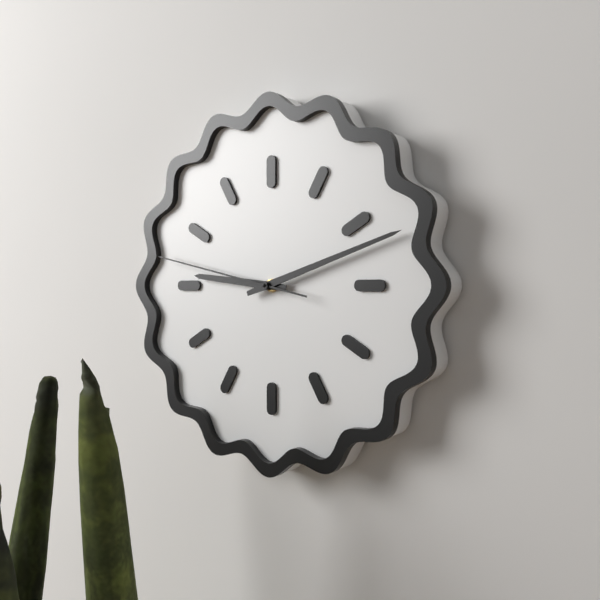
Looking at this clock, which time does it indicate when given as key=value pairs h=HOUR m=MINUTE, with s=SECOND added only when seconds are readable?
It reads h=9 m=12 s=47
